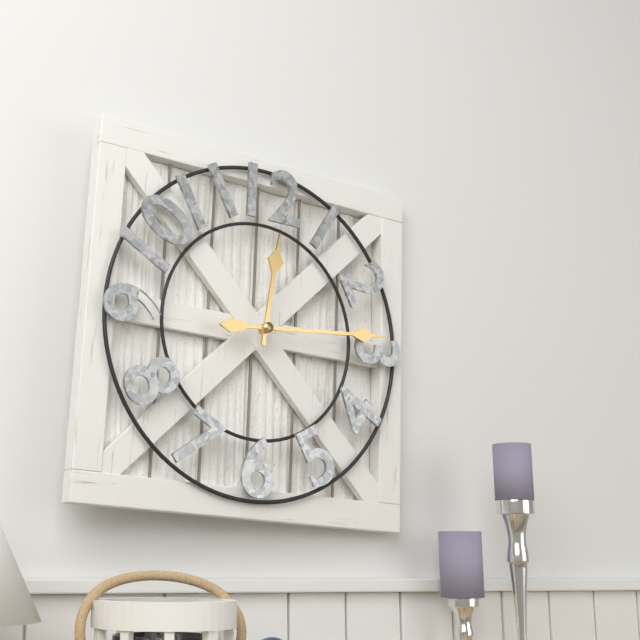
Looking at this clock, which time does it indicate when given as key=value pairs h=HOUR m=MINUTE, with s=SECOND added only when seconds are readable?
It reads h=12 m=14
